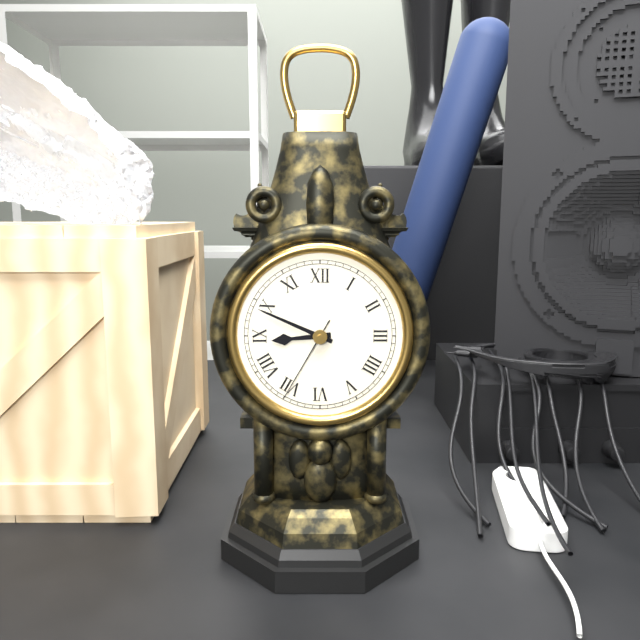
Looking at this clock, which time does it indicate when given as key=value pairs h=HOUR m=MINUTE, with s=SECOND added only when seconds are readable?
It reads h=8 m=49 s=35
